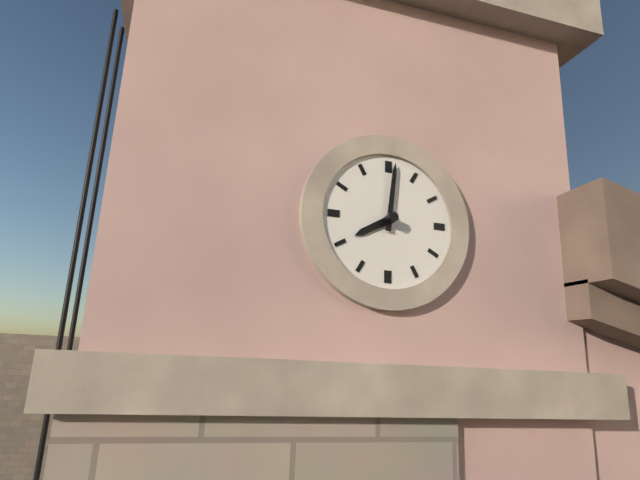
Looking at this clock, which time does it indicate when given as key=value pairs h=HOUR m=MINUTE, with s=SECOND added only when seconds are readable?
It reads h=8 m=1
